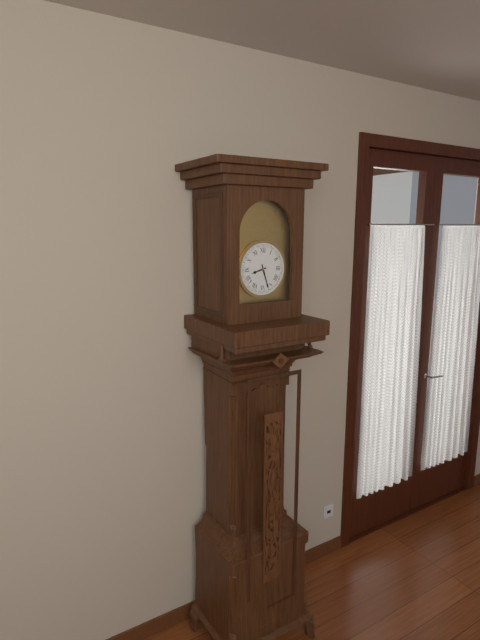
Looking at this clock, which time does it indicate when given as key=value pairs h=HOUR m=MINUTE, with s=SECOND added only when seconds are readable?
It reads h=8 m=27
